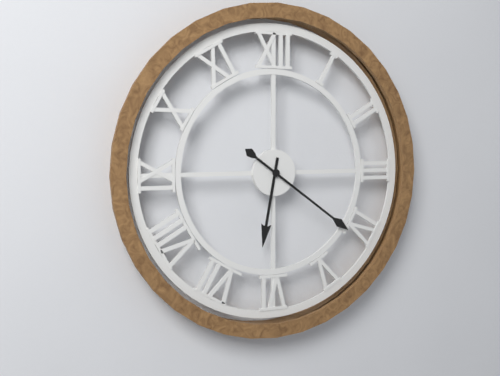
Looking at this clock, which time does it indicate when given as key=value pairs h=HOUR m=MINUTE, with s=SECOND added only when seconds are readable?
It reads h=6 m=21
